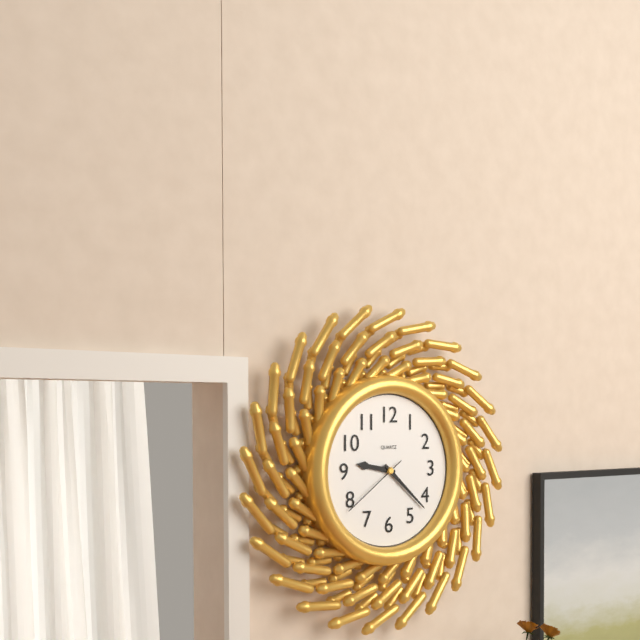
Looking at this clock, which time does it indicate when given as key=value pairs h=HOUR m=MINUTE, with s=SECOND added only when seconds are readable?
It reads h=9 m=22 s=39
